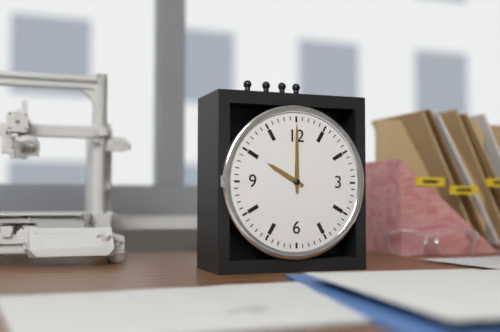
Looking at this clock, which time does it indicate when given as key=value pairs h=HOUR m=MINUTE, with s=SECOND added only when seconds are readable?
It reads h=10 m=0
